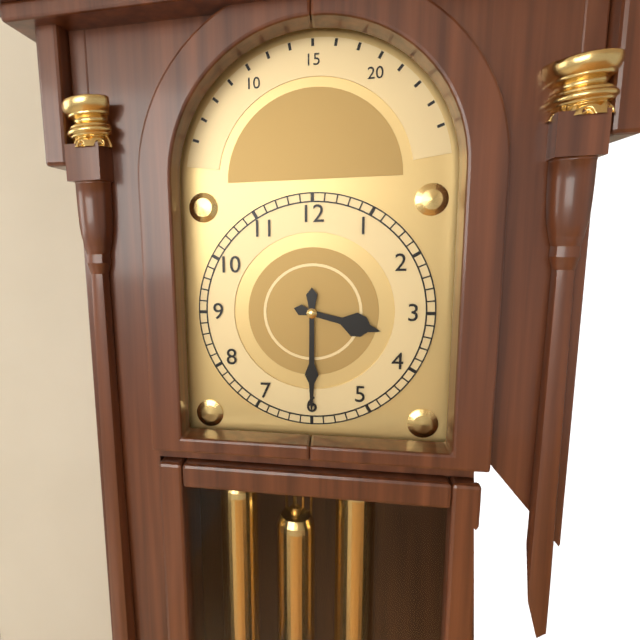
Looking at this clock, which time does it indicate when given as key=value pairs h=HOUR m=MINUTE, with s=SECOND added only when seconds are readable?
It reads h=3 m=30
